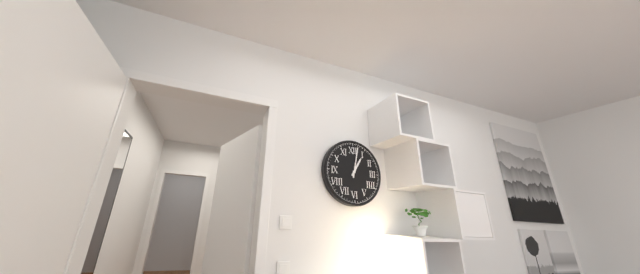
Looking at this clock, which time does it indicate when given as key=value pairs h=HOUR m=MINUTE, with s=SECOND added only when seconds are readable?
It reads h=1 m=2
